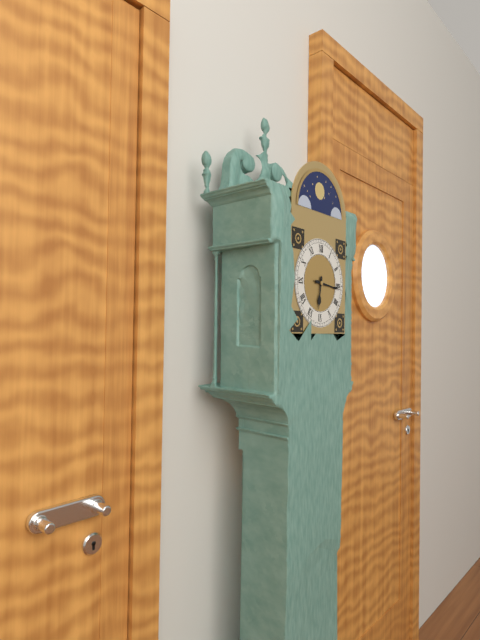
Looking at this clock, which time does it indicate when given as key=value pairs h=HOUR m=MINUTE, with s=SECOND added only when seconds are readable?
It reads h=6 m=16
